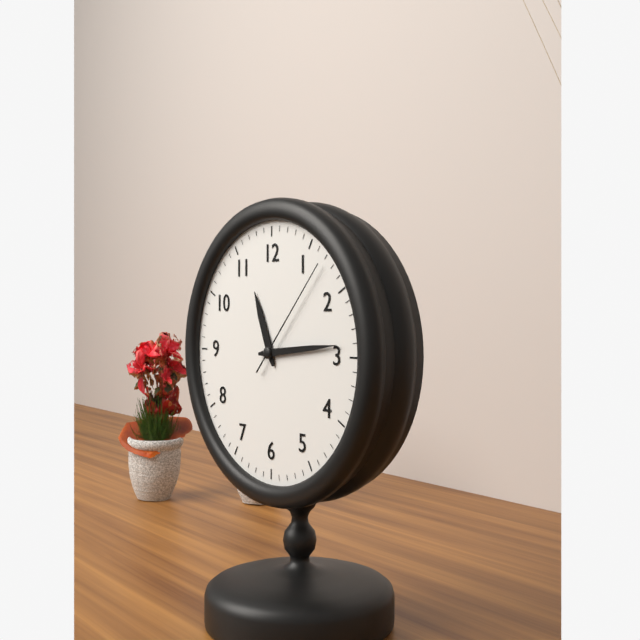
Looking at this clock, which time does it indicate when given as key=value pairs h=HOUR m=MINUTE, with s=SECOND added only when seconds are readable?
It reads h=11 m=14 s=7
